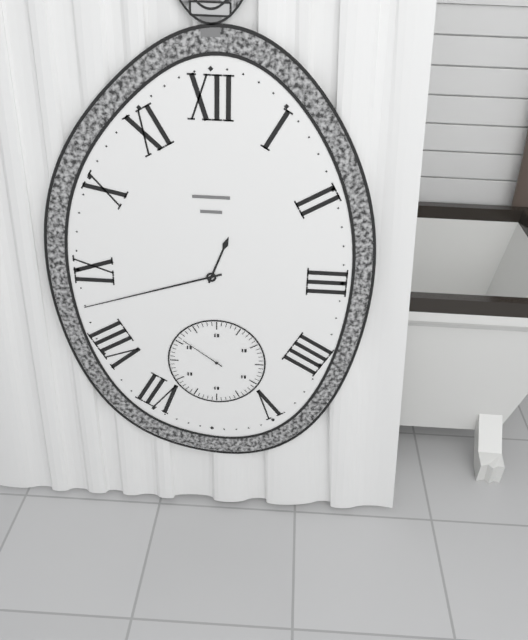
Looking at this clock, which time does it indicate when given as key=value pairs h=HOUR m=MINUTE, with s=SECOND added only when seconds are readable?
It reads h=12 m=42 s=51
